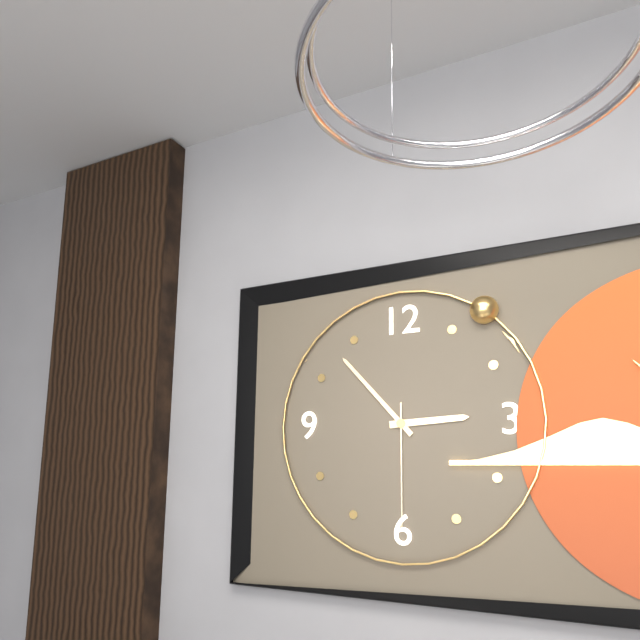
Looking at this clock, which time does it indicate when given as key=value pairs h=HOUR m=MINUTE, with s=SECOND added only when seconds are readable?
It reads h=2 m=53 s=30
